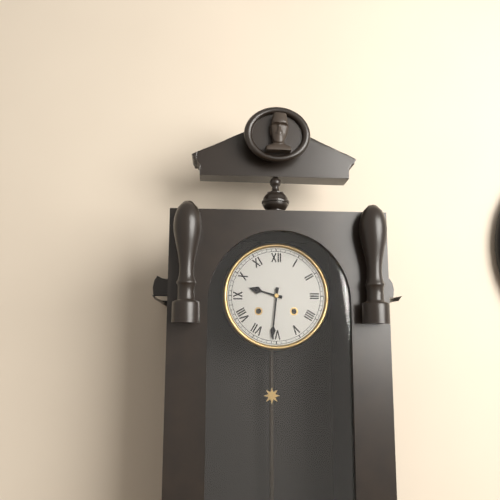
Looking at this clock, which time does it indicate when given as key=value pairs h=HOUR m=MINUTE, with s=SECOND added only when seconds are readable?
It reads h=9 m=31
